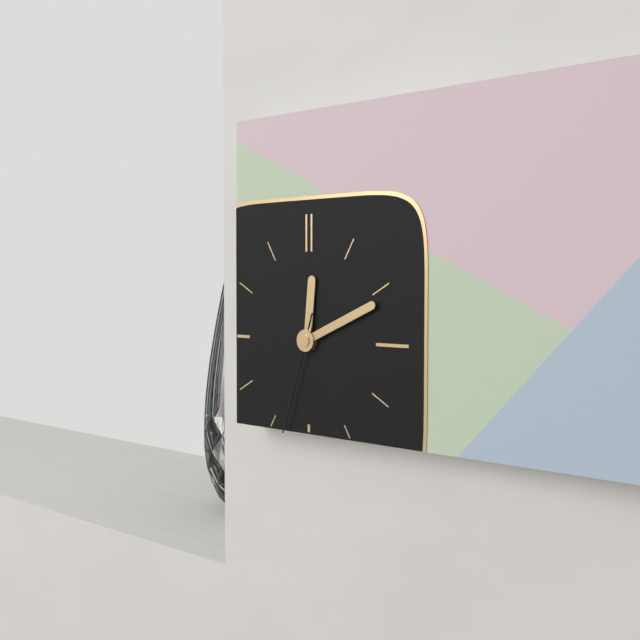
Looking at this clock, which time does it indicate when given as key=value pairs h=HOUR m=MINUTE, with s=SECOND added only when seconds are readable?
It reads h=12 m=11 s=33
